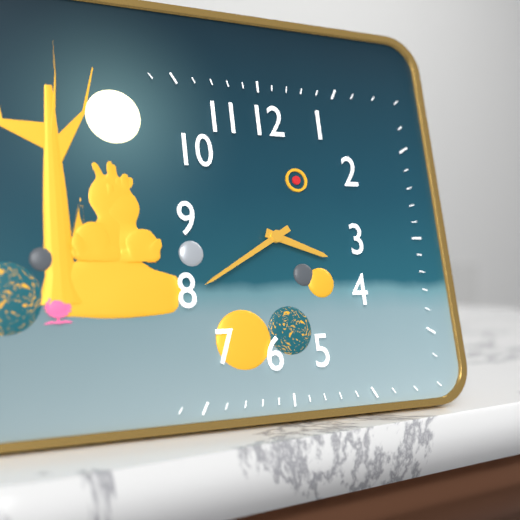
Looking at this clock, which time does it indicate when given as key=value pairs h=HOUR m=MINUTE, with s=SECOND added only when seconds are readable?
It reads h=3 m=40
